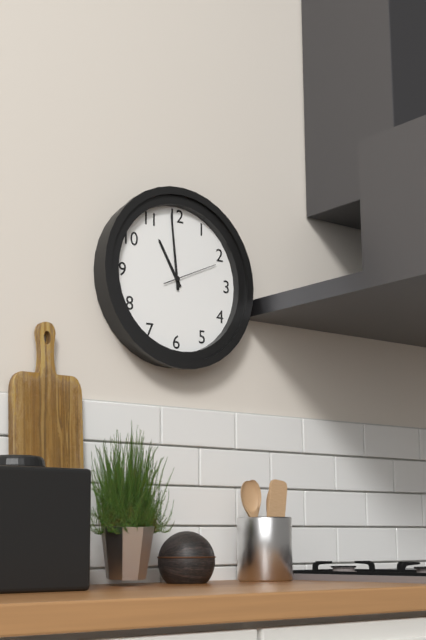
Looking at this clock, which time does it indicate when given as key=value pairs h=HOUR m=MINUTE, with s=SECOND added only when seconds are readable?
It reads h=10 m=59 s=11
